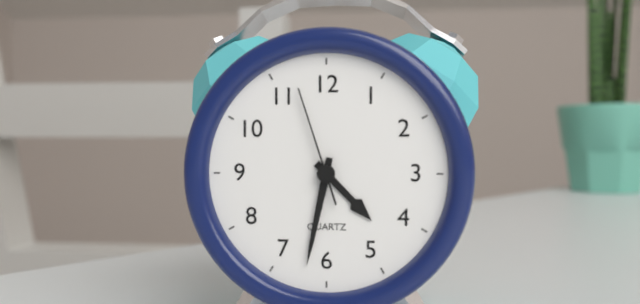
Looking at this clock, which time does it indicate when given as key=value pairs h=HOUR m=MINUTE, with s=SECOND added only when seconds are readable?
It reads h=4 m=32 s=57
